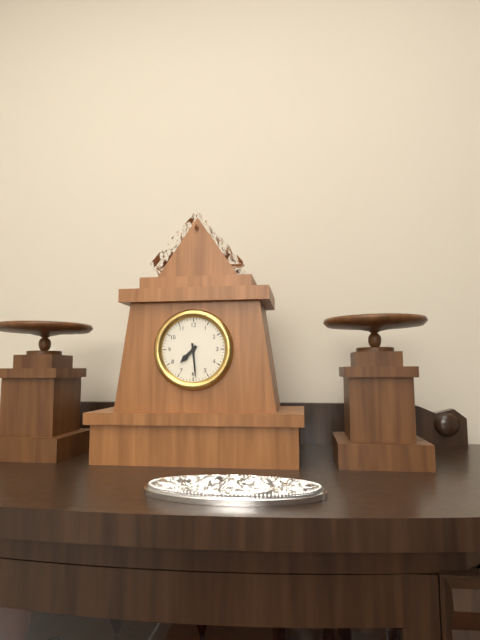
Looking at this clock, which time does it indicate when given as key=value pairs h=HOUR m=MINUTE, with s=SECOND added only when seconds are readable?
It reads h=7 m=29
